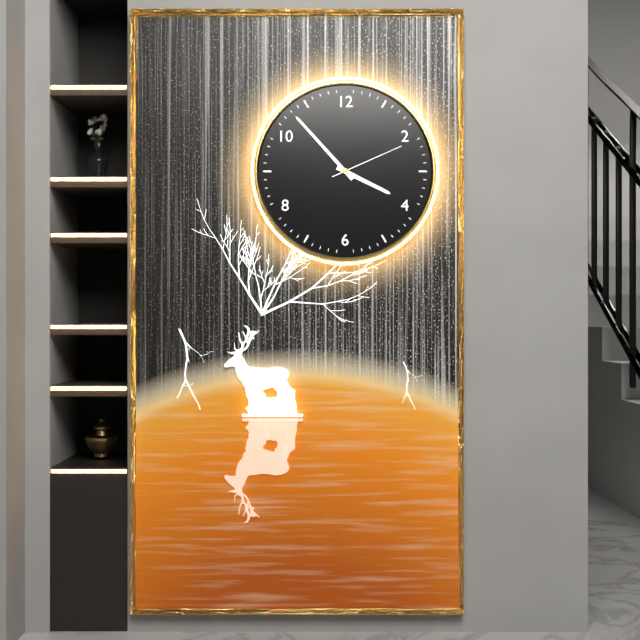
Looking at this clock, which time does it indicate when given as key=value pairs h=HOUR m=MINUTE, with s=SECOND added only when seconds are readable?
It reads h=3 m=53 s=11
